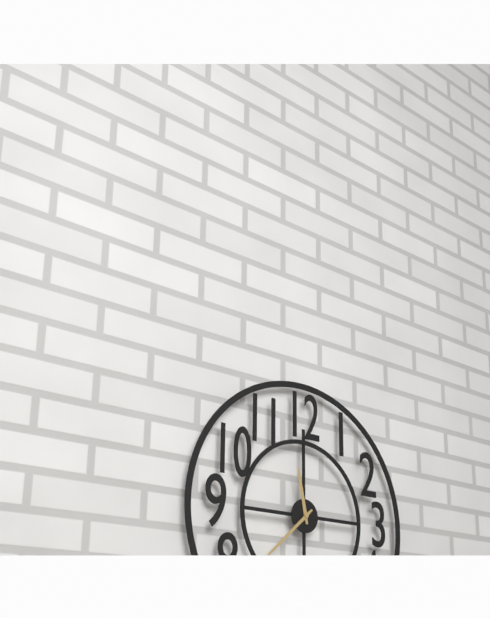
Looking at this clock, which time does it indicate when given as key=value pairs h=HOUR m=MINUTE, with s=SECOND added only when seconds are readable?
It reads h=11 m=38
